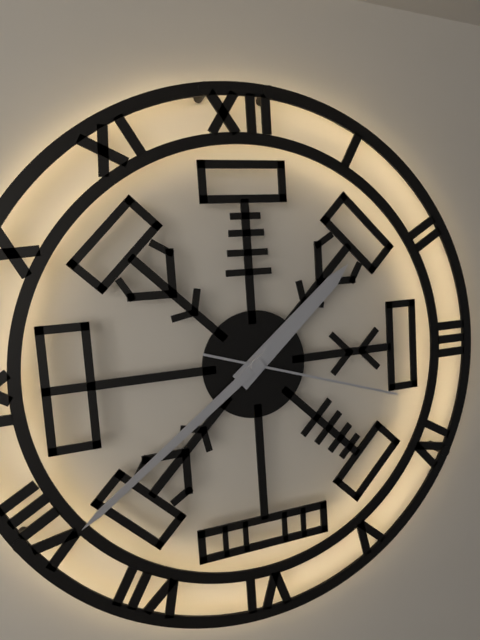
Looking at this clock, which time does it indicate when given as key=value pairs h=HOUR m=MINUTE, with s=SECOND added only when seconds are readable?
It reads h=1 m=39 s=18
